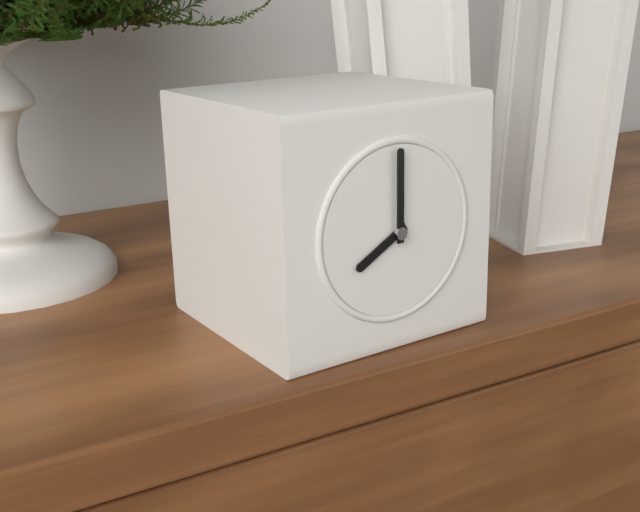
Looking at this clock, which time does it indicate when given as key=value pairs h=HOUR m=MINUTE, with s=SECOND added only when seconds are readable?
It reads h=8 m=0
